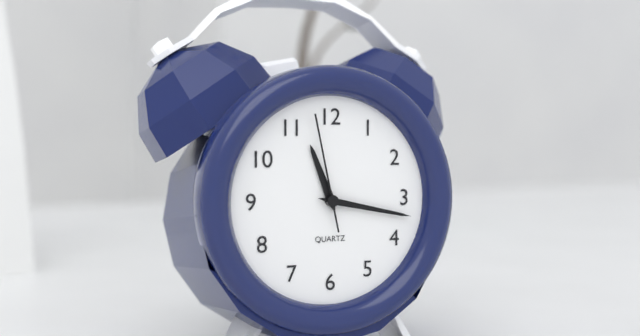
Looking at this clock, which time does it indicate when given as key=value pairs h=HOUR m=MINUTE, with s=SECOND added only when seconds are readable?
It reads h=11 m=17 s=58
